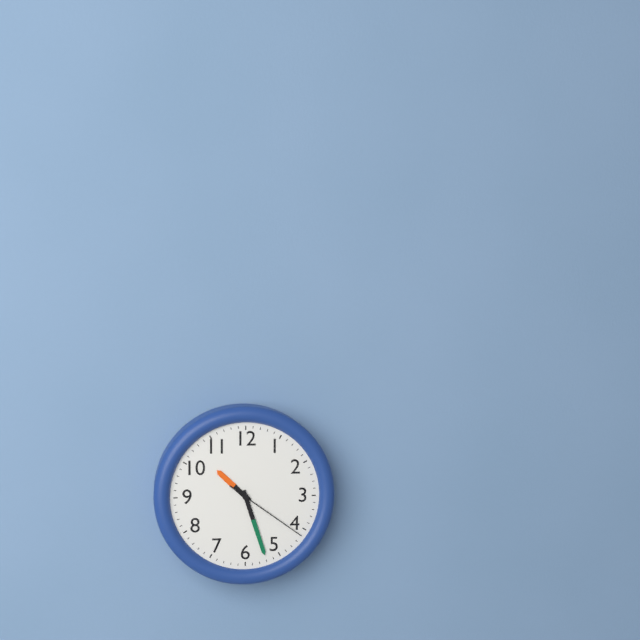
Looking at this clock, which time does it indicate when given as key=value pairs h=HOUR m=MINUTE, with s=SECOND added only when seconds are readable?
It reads h=10 m=27 s=21
